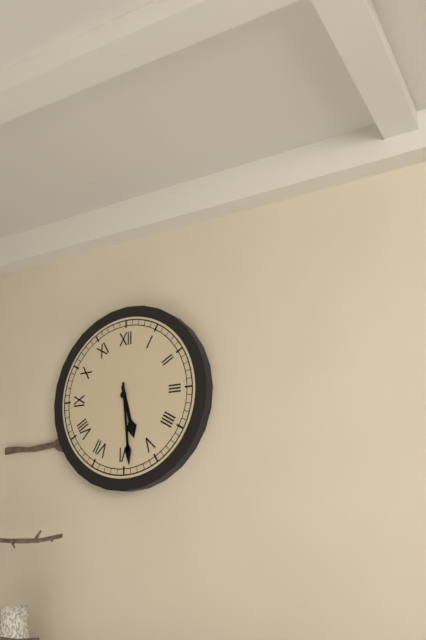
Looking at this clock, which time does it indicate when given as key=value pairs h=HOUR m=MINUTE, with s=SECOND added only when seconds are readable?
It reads h=5 m=29
